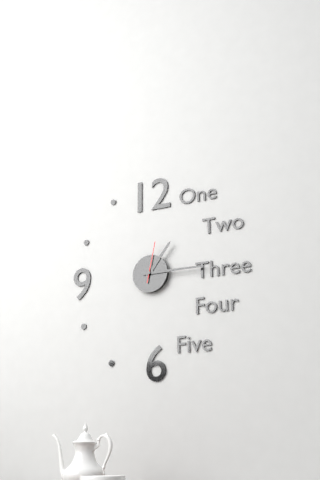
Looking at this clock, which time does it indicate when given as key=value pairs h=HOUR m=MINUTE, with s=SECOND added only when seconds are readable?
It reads h=1 m=15
